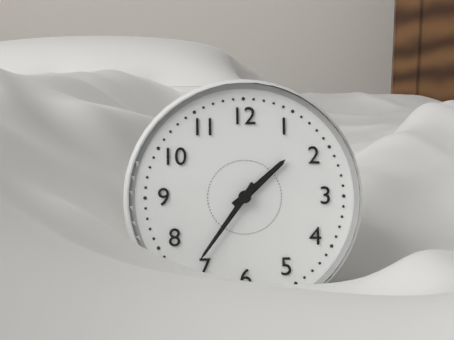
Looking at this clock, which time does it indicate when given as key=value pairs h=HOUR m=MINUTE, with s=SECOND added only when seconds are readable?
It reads h=1 m=36
